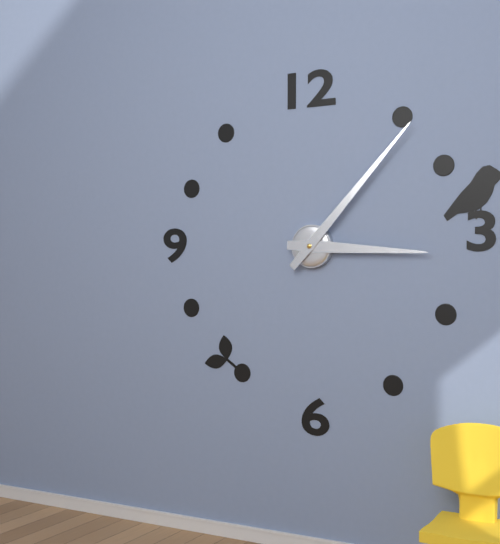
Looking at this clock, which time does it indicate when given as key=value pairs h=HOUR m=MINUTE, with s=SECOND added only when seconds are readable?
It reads h=3 m=7
